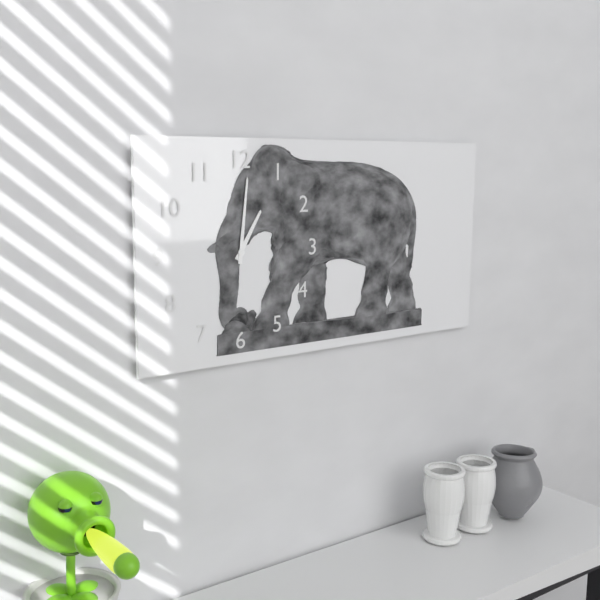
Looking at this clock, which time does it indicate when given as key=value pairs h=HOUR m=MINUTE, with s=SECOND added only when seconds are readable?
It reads h=1 m=1
